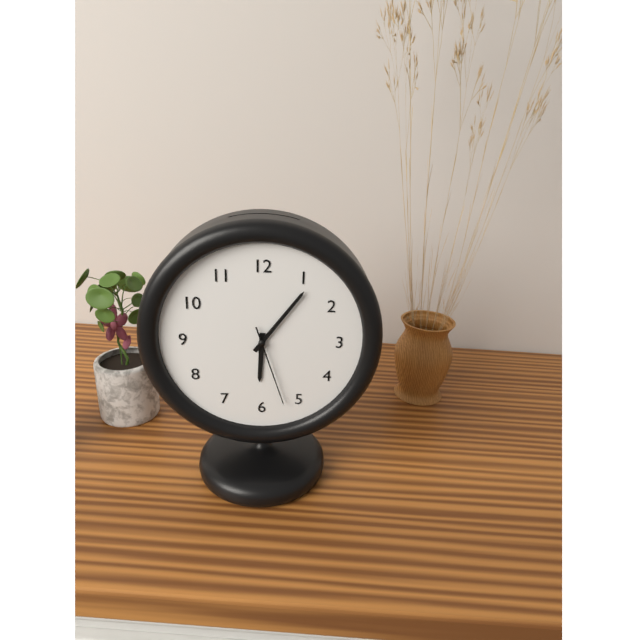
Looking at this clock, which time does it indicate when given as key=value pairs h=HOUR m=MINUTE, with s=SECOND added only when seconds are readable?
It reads h=6 m=6 s=27
